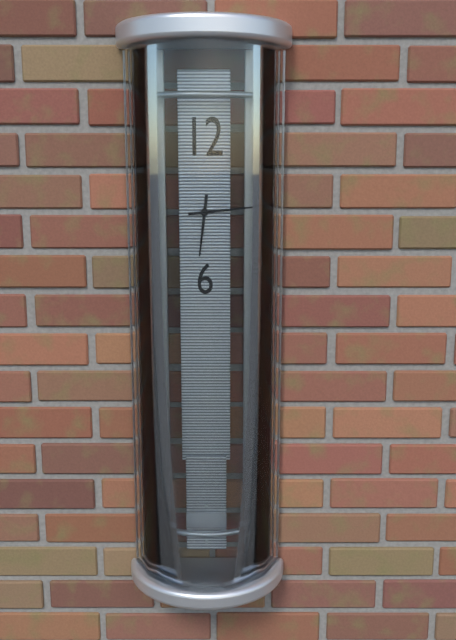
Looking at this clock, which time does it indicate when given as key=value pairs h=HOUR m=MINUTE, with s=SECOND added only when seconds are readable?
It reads h=6 m=14
